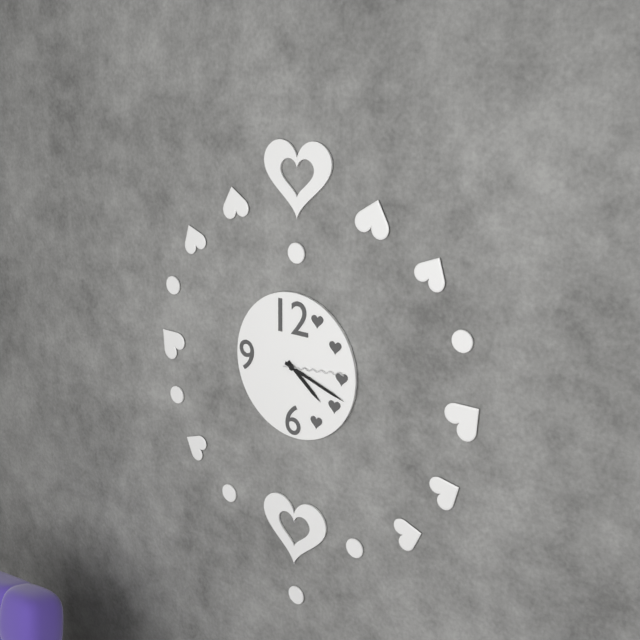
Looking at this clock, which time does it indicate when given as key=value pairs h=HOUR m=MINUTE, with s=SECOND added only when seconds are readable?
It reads h=4 m=18 s=14
